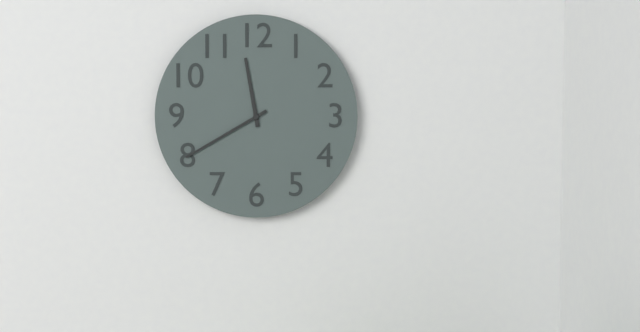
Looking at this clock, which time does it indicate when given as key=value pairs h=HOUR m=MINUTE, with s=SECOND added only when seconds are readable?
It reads h=11 m=40
